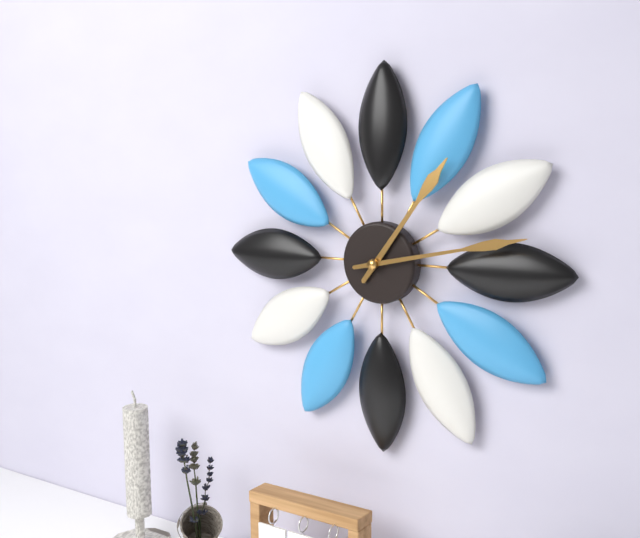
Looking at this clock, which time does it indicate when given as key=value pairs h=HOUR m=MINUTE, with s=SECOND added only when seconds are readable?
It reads h=1 m=13
